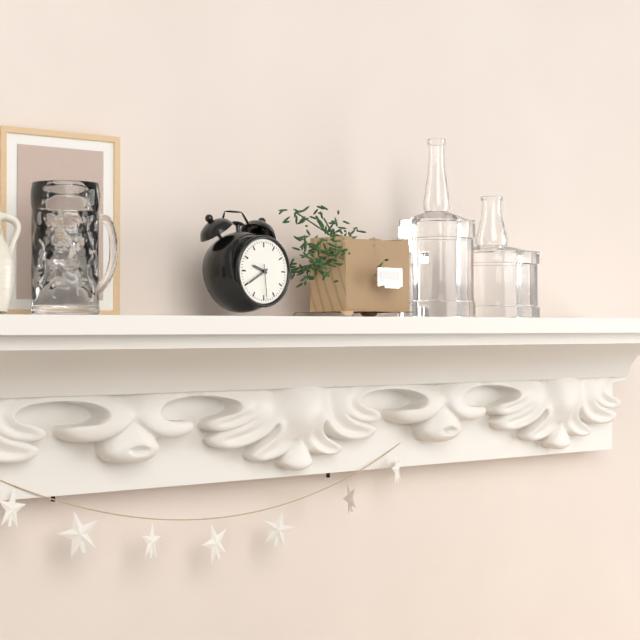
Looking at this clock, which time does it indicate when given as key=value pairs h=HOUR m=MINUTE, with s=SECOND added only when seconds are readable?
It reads h=9 m=40
